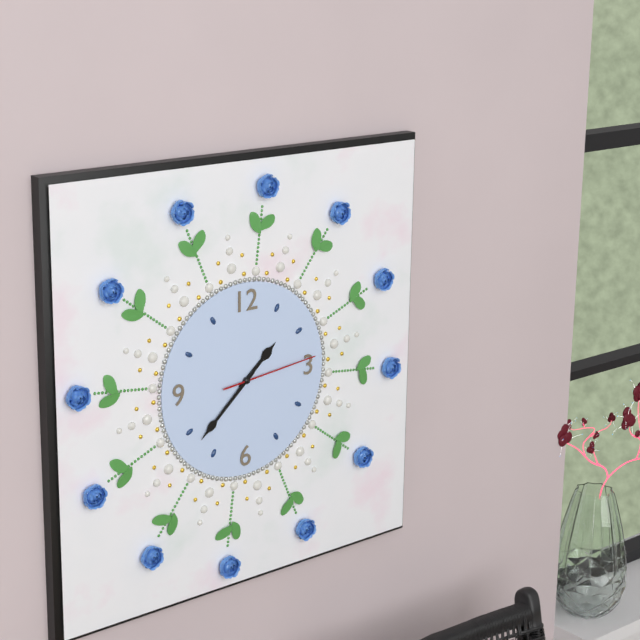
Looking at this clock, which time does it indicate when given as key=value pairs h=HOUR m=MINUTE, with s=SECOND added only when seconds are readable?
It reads h=1 m=38 s=14
